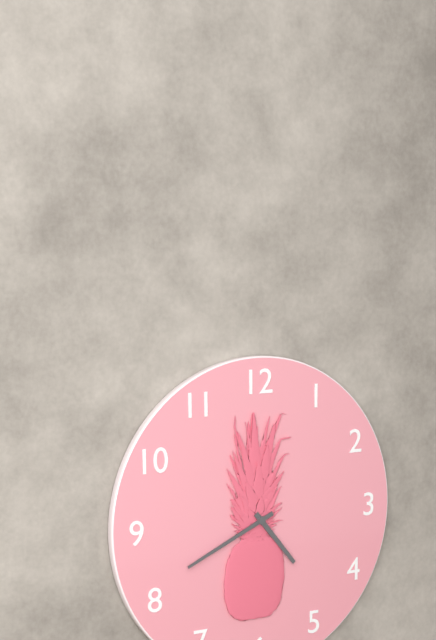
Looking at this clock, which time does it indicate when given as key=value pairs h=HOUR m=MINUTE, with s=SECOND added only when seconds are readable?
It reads h=4 m=41
